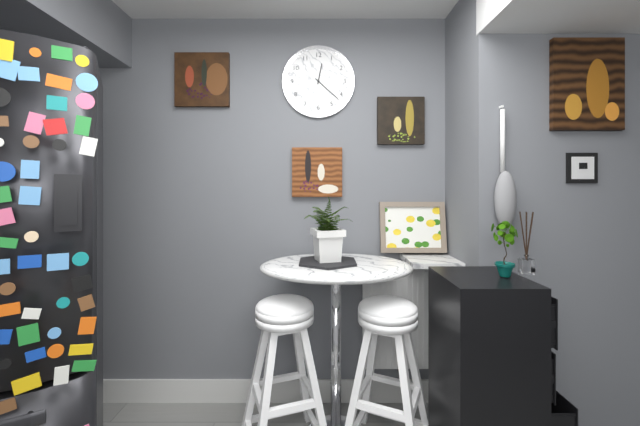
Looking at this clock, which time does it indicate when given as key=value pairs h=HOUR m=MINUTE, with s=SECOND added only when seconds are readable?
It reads h=12 m=22
